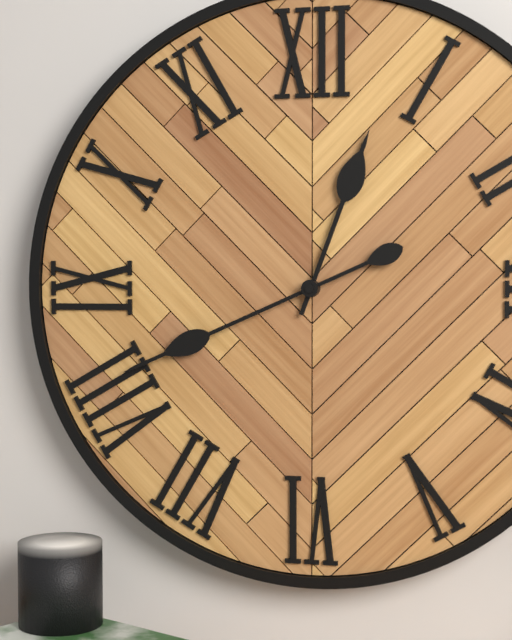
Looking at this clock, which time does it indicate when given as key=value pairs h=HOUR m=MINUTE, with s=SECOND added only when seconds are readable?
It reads h=12 m=41
